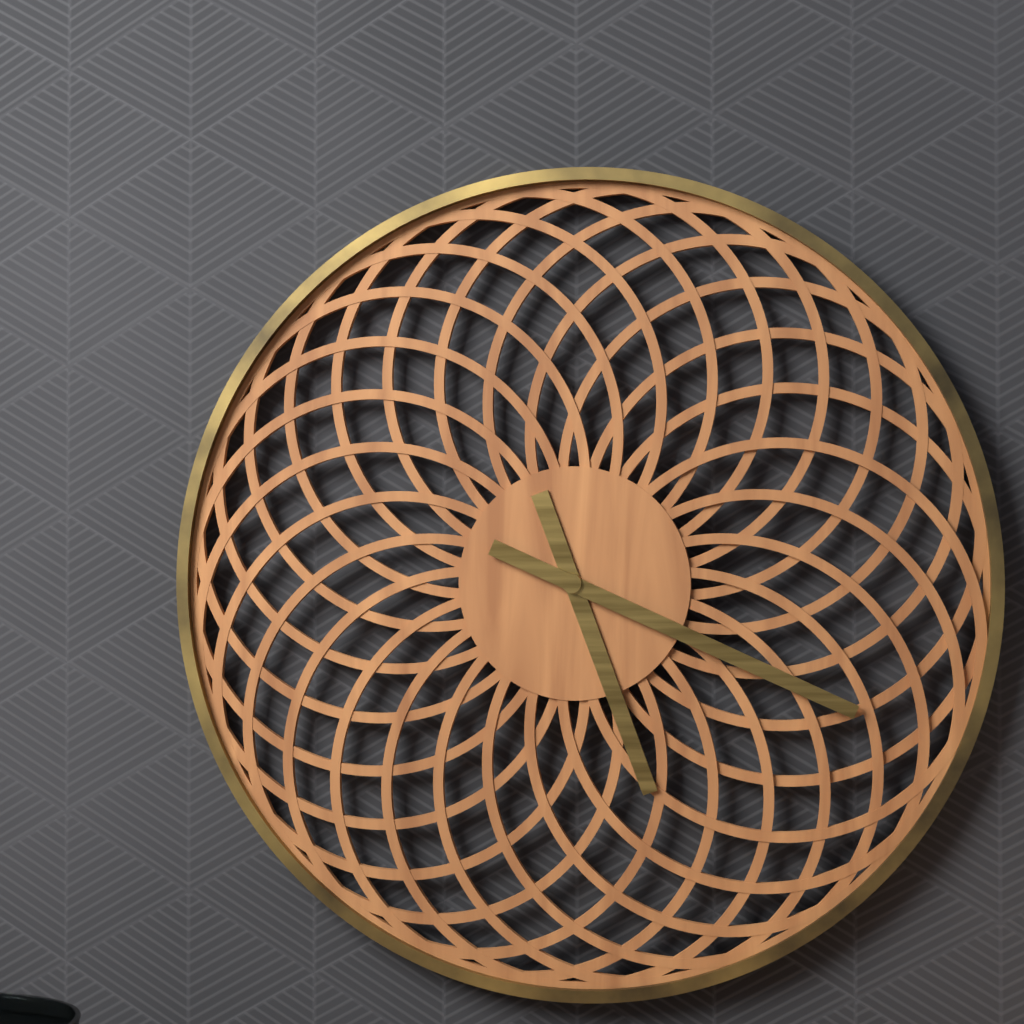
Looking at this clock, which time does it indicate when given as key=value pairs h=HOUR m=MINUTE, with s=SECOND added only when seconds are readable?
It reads h=5 m=19
